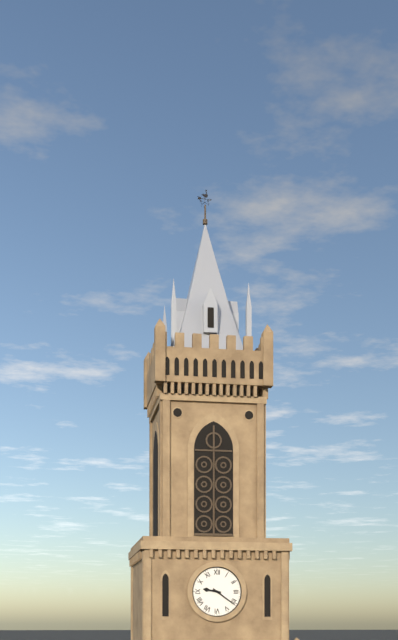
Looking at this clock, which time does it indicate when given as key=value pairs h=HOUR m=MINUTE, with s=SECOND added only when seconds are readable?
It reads h=9 m=21
